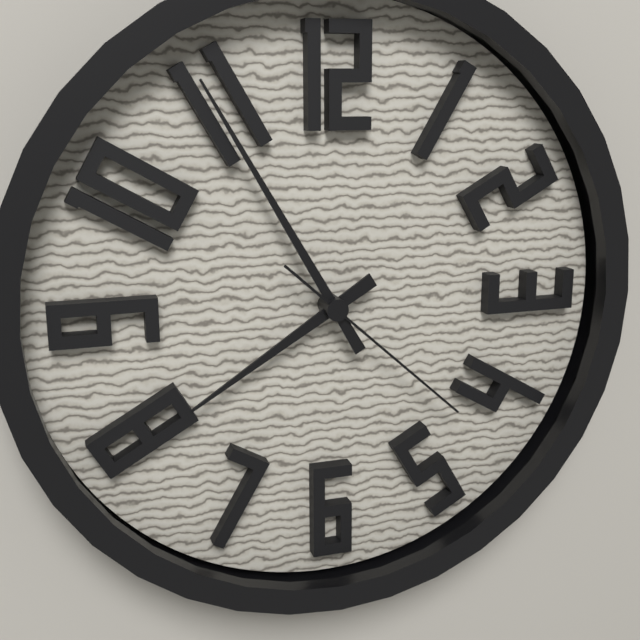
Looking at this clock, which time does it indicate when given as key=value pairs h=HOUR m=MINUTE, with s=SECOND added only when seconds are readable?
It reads h=7 m=55 s=22
